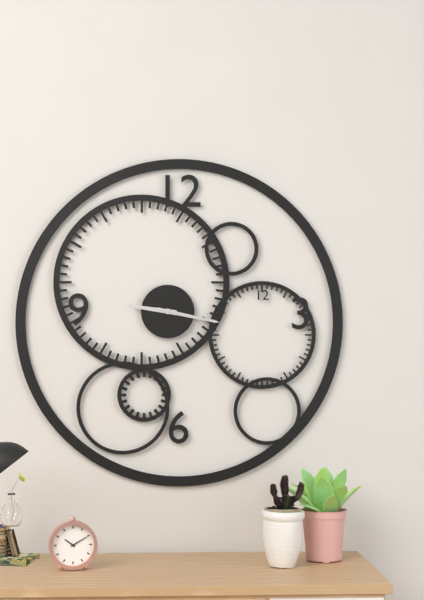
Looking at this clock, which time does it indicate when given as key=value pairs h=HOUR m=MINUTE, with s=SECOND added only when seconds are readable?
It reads h=9 m=17
